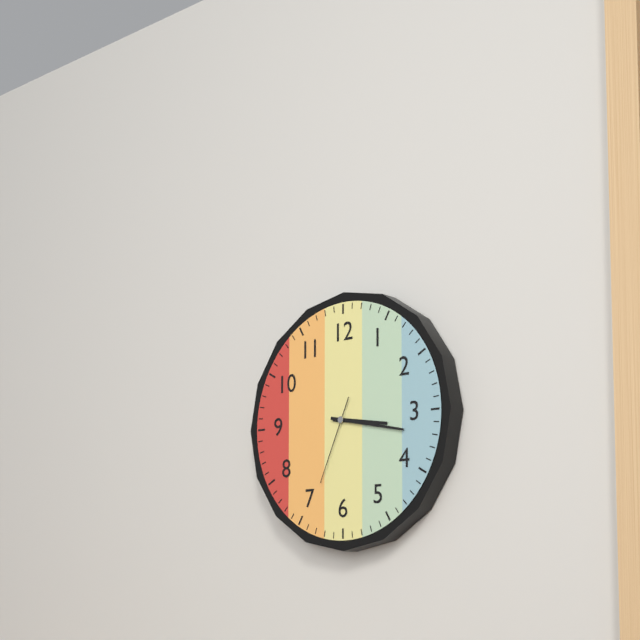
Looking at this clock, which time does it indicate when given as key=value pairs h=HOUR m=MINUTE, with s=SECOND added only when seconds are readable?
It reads h=3 m=17 s=34
